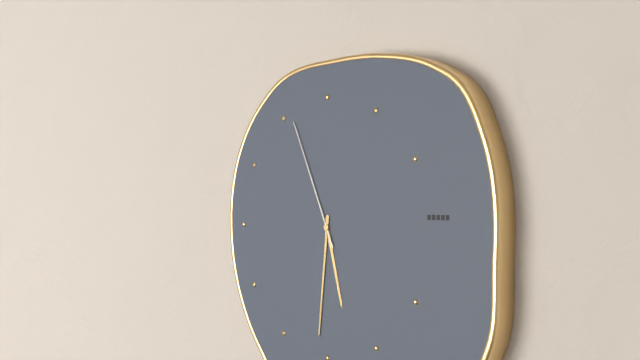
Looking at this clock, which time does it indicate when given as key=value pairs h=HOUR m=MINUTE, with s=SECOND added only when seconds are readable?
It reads h=5 m=31 s=56
